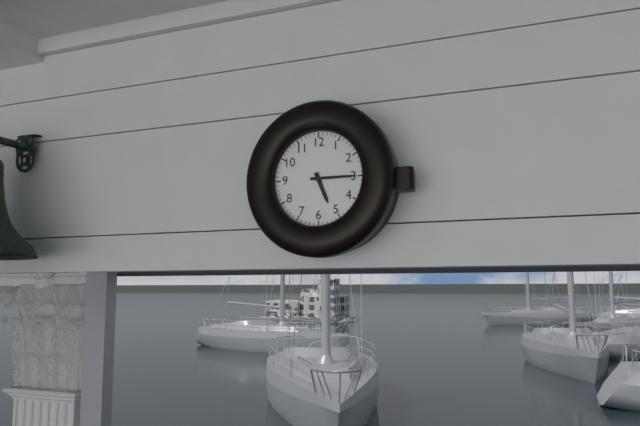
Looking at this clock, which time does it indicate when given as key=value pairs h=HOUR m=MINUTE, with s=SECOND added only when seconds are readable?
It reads h=5 m=15
